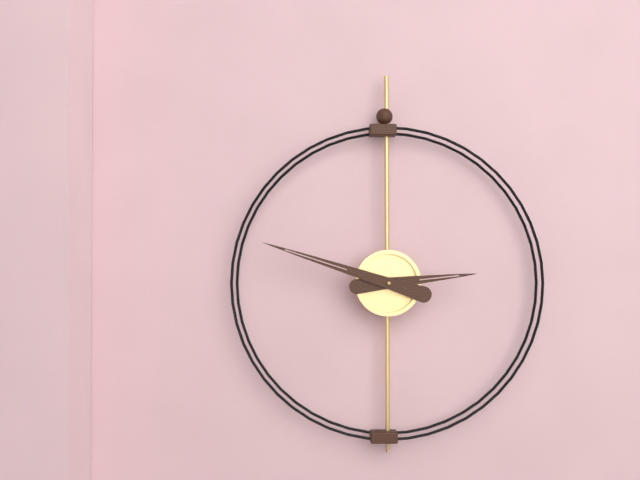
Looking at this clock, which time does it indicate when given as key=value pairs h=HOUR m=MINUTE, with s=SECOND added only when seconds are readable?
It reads h=2 m=48
